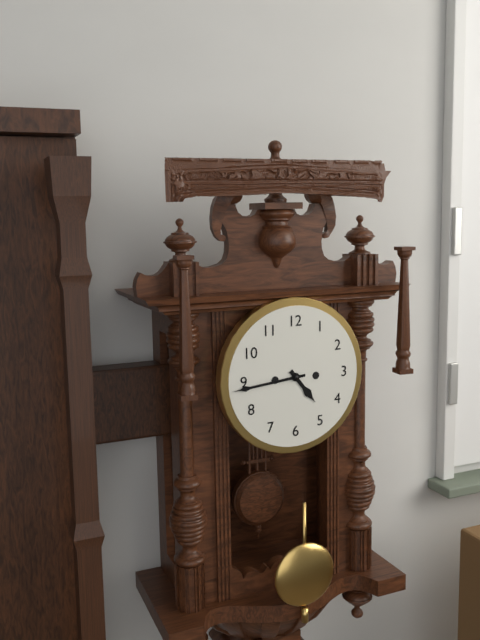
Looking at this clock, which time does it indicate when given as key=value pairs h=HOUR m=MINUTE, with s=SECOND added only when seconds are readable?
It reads h=4 m=44
